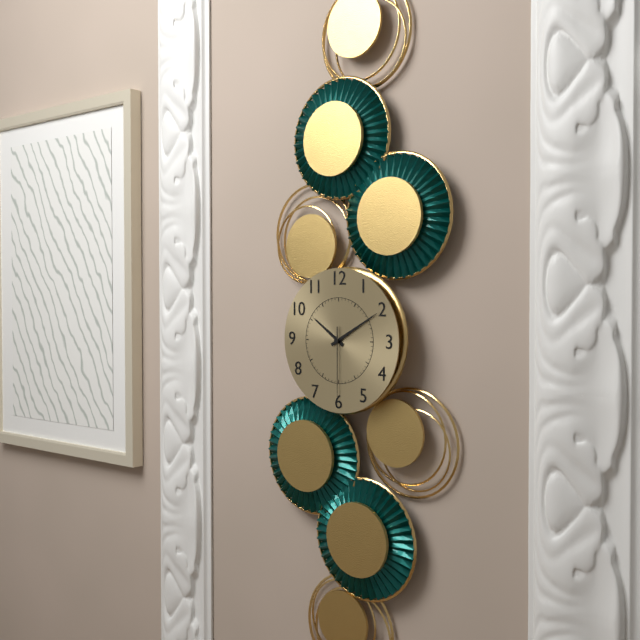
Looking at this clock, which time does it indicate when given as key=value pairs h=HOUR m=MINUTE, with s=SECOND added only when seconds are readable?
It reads h=10 m=10 s=30
